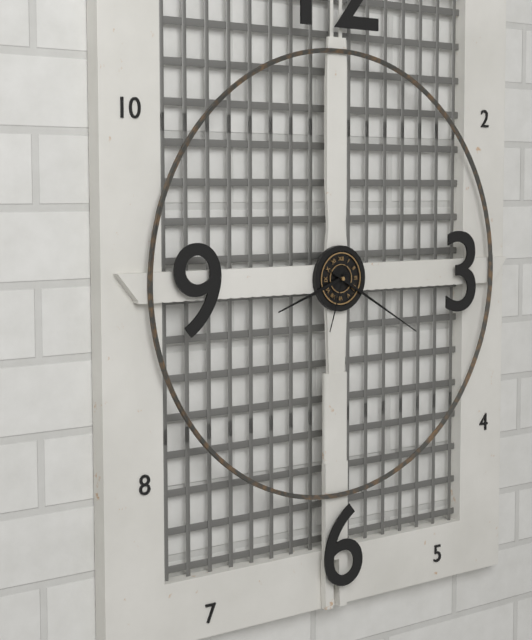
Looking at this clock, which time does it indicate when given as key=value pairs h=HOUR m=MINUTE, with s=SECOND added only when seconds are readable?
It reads h=8 m=20 s=33
